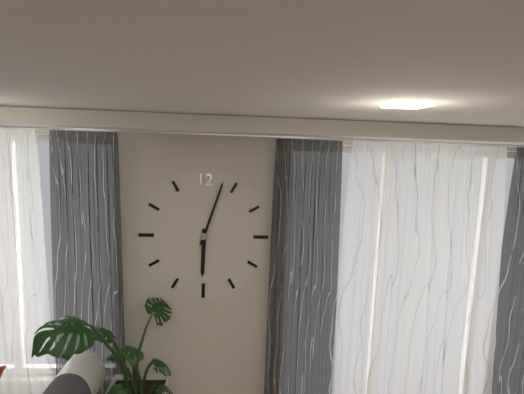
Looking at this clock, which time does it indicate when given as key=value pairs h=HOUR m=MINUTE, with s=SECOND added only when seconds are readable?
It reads h=6 m=3
